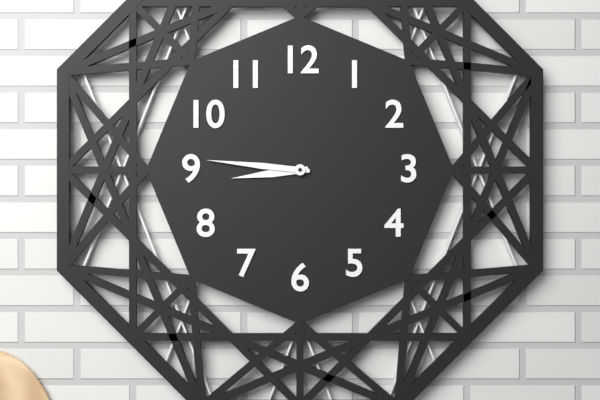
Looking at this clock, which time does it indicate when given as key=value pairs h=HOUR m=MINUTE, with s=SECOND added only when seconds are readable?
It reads h=8 m=46
